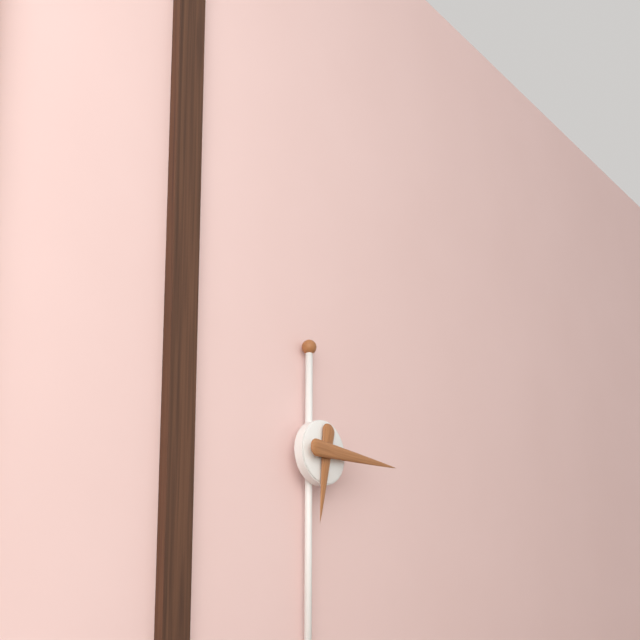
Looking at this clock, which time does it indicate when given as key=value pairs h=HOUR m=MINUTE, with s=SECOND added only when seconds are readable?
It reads h=6 m=15
